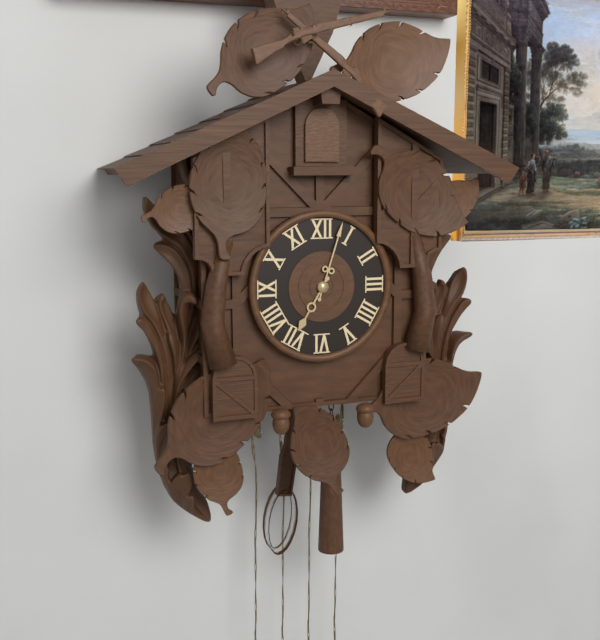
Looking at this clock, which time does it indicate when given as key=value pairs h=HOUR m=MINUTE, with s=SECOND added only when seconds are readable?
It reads h=7 m=3
